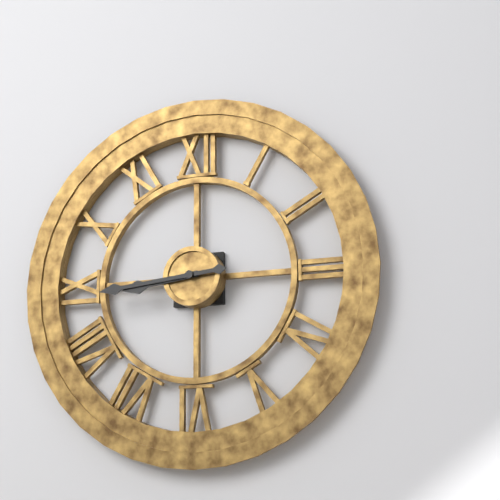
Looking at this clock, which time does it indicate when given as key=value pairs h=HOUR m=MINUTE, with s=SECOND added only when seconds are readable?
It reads h=8 m=44
